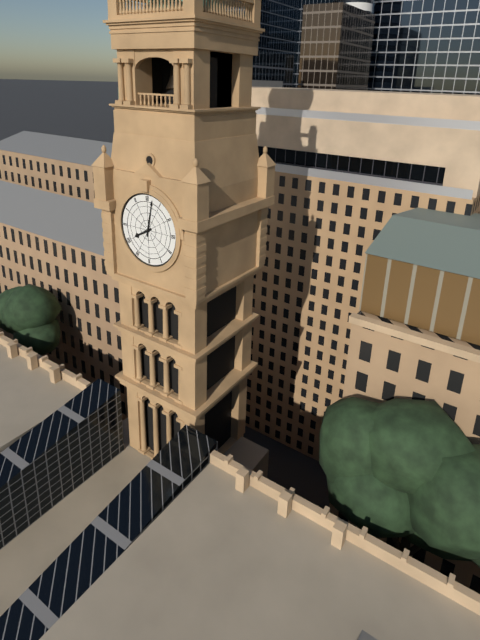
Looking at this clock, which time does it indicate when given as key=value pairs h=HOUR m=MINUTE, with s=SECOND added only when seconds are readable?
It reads h=8 m=2
